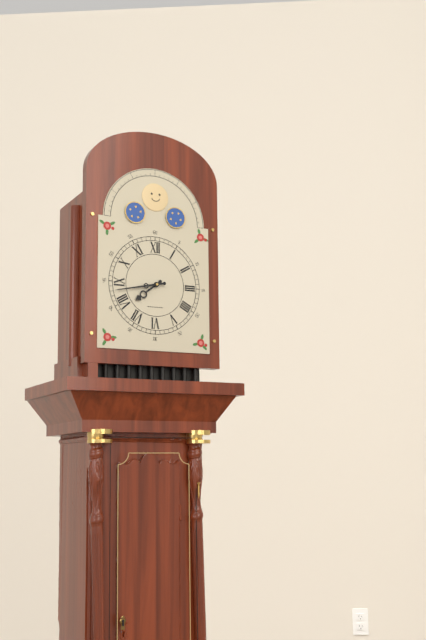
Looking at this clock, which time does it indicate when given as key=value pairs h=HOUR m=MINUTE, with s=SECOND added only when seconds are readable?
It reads h=7 m=43
